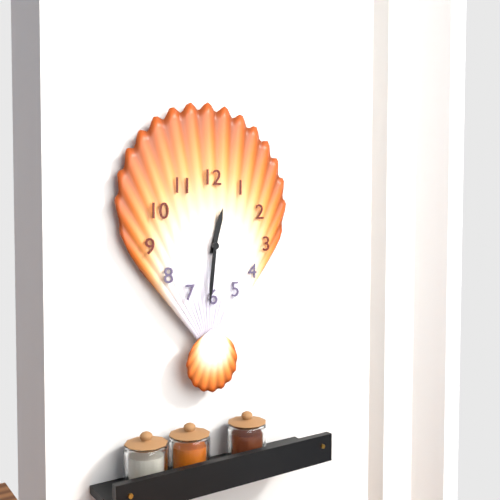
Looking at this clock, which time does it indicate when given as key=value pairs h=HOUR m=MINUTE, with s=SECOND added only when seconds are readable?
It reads h=12 m=31
